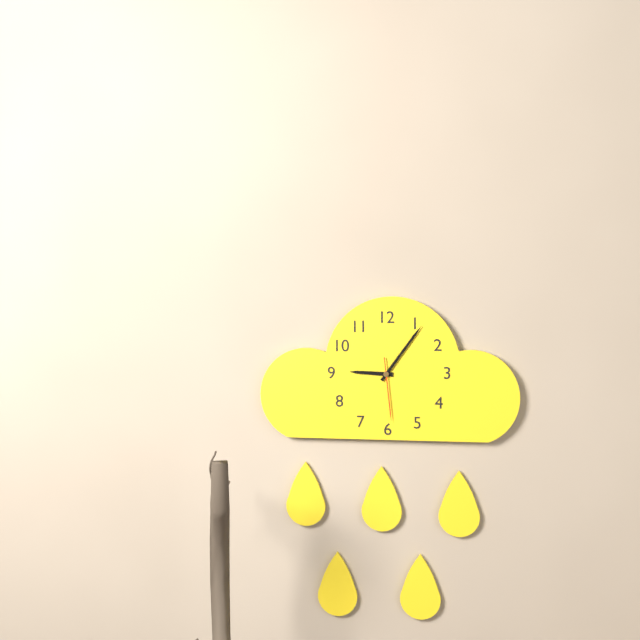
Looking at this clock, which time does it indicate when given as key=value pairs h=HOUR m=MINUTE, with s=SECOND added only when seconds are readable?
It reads h=9 m=6 s=29
